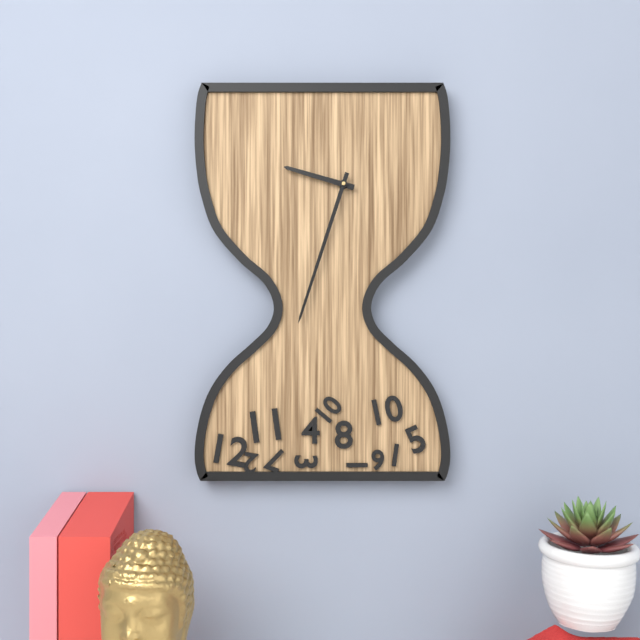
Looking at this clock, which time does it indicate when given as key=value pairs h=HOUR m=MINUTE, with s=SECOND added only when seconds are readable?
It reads h=9 m=33
